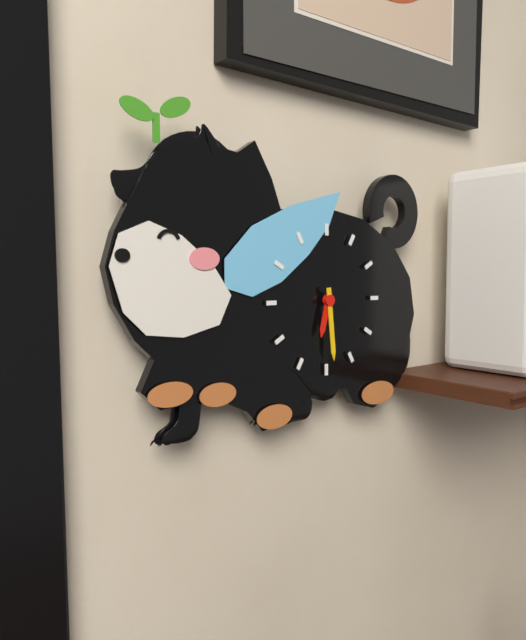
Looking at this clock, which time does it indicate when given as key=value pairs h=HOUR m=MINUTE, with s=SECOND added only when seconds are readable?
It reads h=6 m=29
